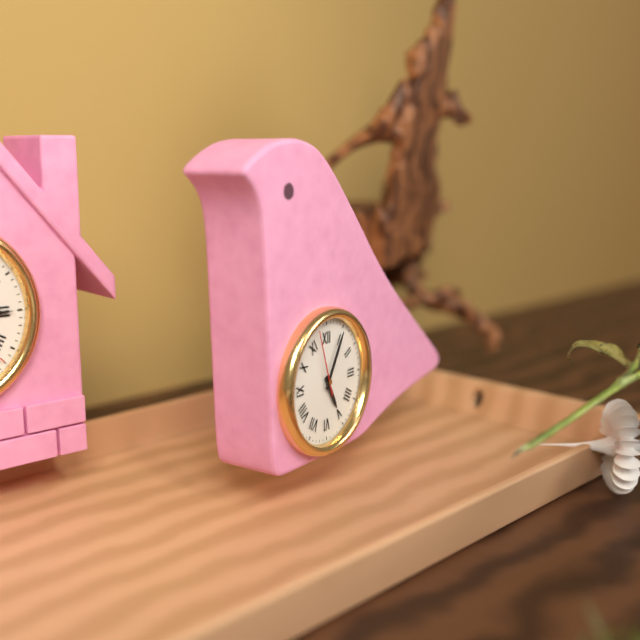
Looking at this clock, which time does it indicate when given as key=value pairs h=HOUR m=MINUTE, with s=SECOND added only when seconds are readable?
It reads h=5 m=5 s=57
